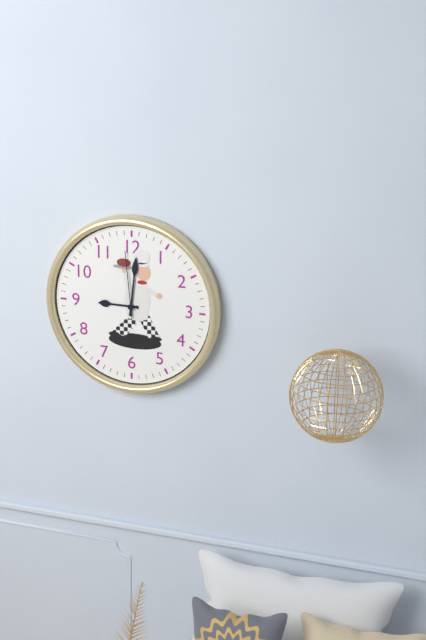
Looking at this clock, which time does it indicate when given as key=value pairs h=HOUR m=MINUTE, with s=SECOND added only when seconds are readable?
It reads h=9 m=1 s=59
